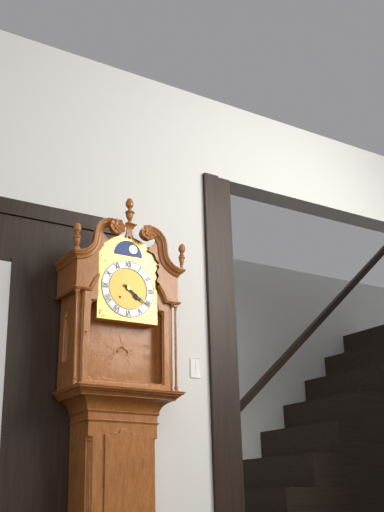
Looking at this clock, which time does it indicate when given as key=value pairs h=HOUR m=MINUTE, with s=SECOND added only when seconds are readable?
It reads h=4 m=21
